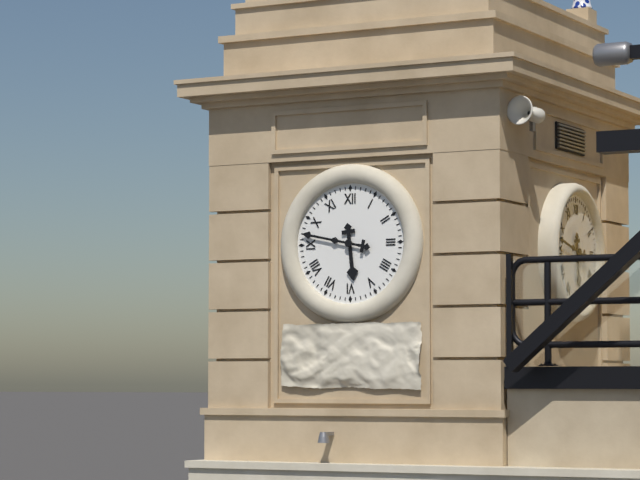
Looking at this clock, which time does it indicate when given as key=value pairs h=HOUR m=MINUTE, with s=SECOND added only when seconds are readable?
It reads h=5 m=47
